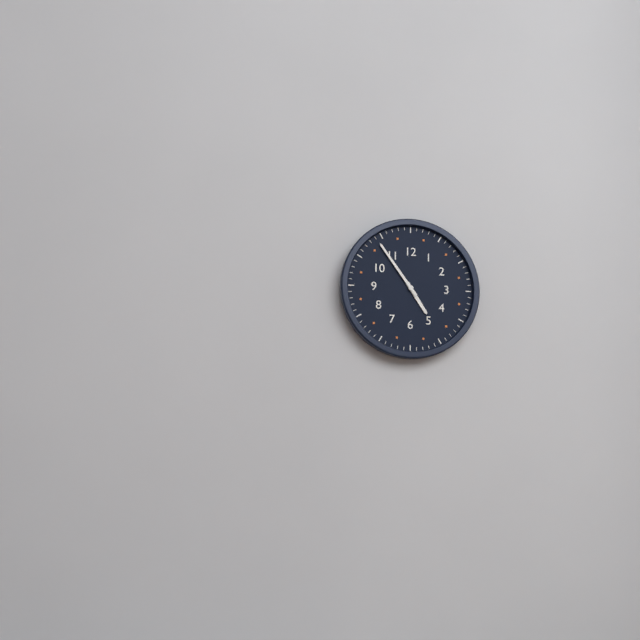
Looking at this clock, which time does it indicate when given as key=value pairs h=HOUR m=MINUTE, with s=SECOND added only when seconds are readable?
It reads h=4 m=54
